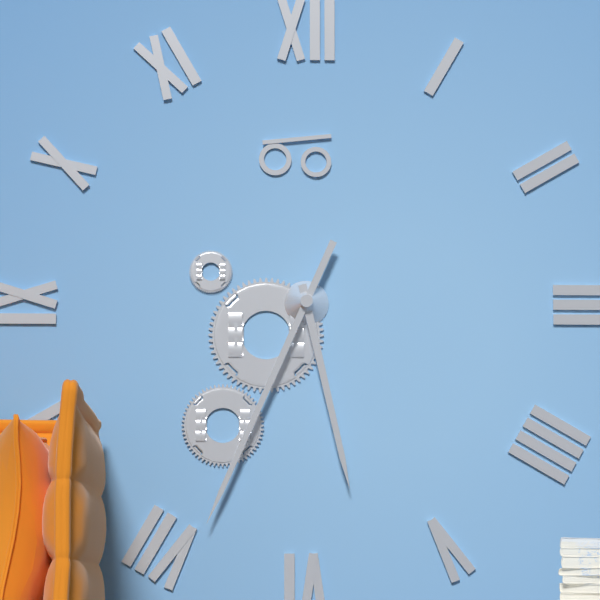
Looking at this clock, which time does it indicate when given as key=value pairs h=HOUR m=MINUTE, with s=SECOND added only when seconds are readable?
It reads h=5 m=34
